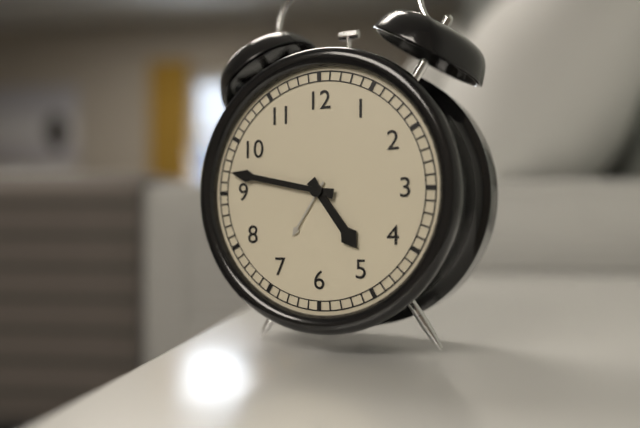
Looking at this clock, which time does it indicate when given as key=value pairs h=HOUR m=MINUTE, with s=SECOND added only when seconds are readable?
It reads h=4 m=47
